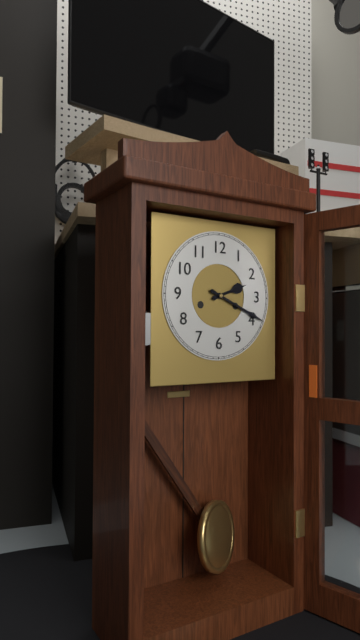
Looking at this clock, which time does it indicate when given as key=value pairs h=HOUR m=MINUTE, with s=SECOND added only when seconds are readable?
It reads h=2 m=19
